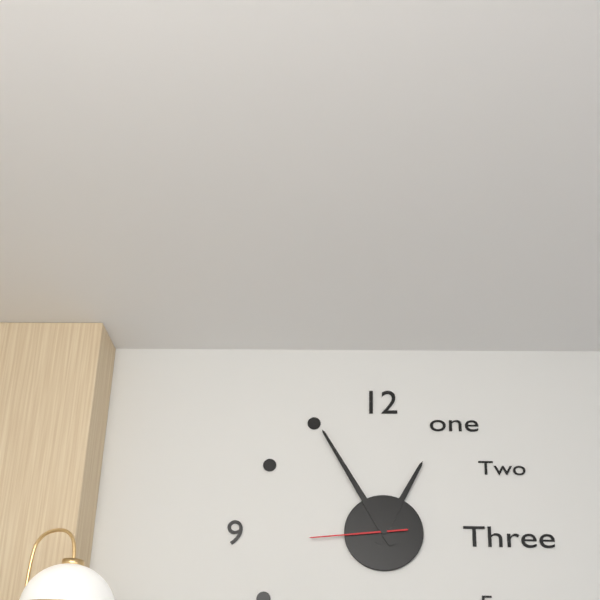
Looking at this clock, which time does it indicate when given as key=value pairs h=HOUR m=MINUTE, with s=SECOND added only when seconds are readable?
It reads h=12 m=55 s=44
